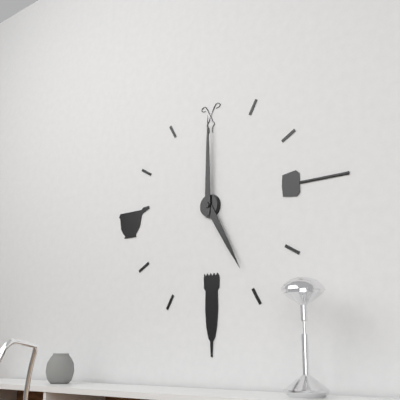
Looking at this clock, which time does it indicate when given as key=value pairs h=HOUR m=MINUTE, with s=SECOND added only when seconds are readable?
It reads h=5 m=0
